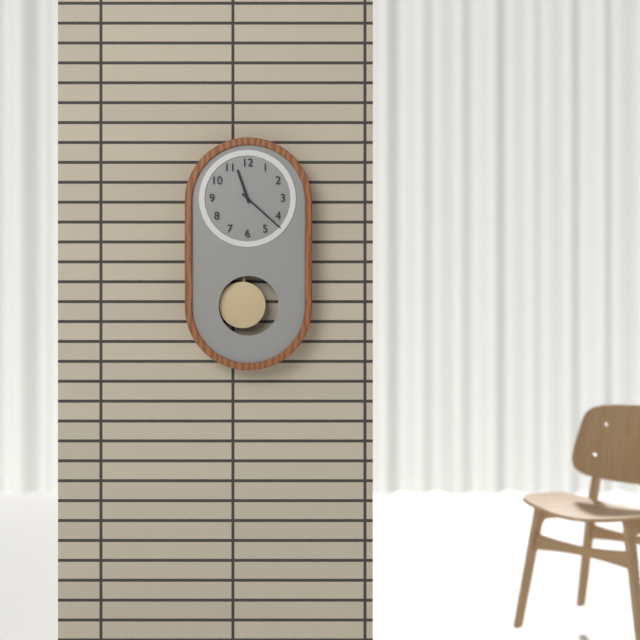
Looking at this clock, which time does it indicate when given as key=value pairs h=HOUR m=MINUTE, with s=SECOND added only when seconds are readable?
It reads h=11 m=22
